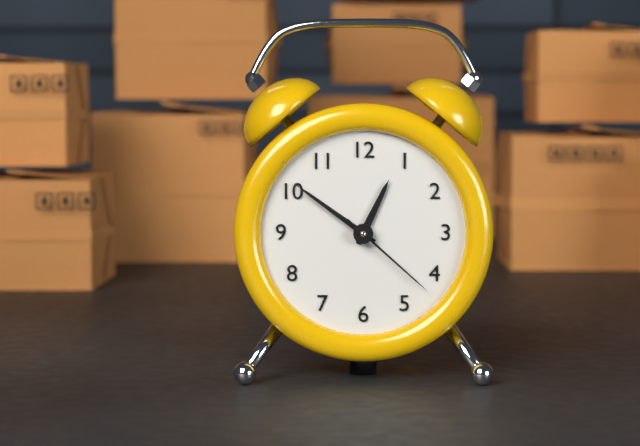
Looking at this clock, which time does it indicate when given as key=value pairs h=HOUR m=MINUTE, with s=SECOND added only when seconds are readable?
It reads h=12 m=51 s=22
